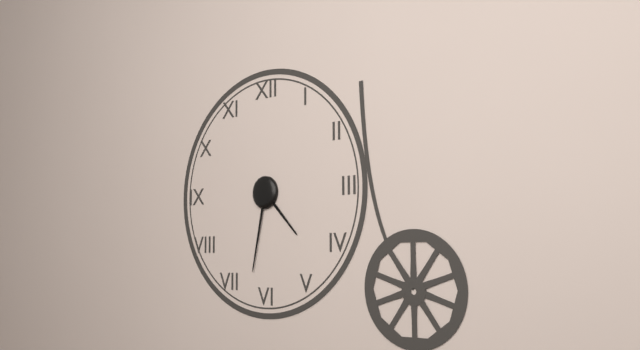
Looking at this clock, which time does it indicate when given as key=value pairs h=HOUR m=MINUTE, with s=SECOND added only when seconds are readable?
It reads h=4 m=32
